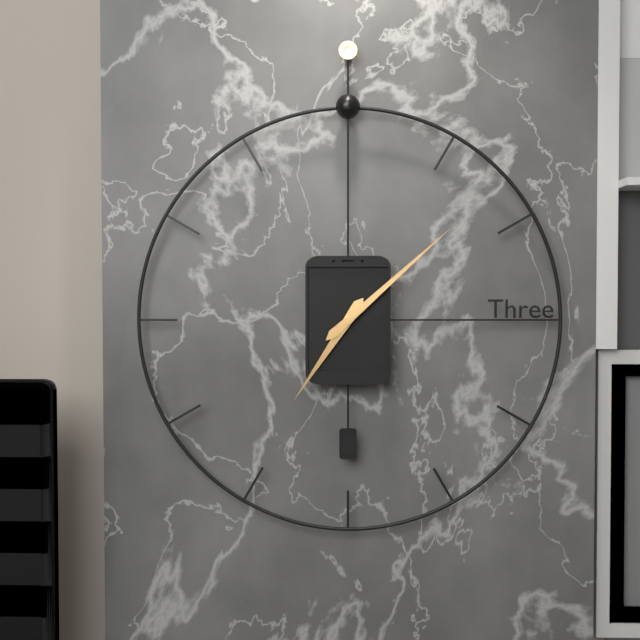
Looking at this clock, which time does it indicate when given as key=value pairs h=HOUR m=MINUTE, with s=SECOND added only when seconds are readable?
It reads h=7 m=8
